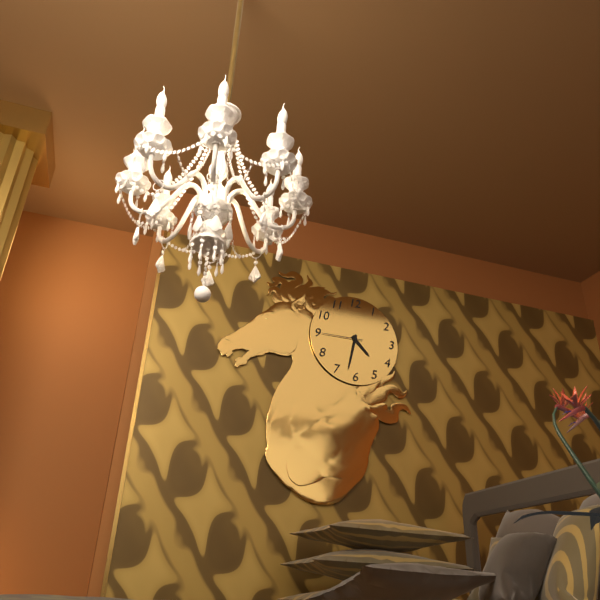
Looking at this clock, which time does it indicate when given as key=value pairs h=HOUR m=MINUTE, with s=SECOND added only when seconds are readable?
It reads h=4 m=32
